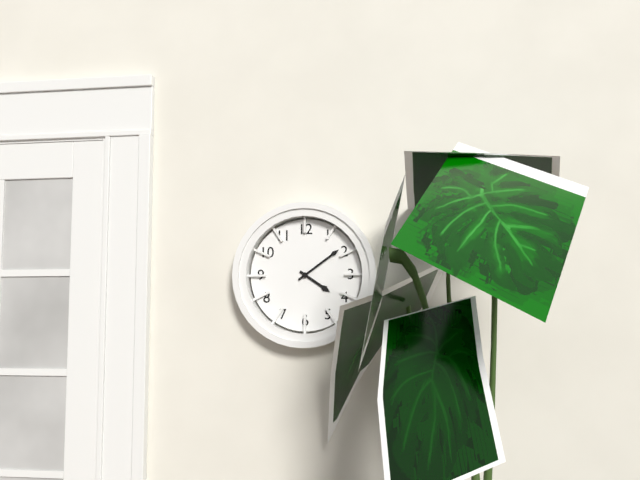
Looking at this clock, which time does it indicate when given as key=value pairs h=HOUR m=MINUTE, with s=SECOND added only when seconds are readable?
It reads h=4 m=9
